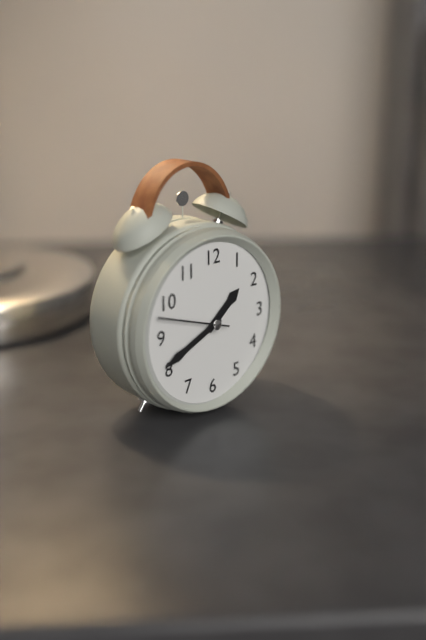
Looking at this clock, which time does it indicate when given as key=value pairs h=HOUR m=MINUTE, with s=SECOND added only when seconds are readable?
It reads h=1 m=41 s=48
